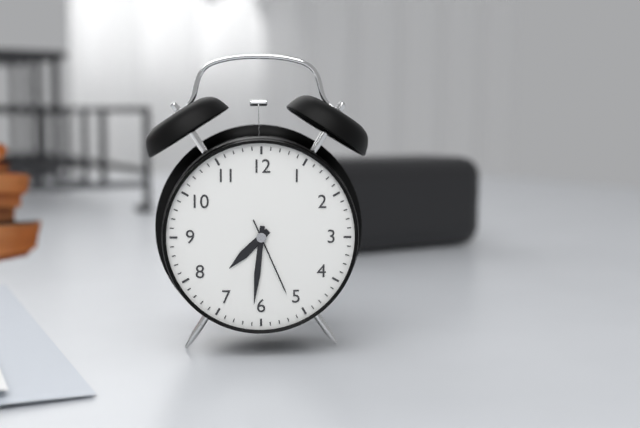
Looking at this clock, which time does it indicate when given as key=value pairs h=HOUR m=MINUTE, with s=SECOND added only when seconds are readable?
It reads h=7 m=31 s=26
